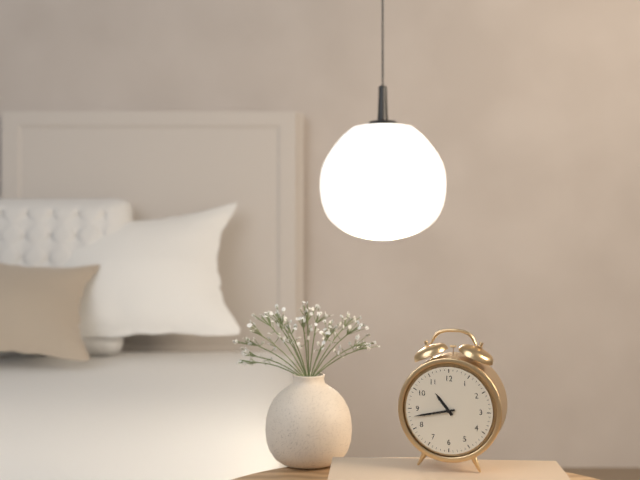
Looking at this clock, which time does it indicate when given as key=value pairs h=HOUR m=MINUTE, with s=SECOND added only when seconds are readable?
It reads h=10 m=43
